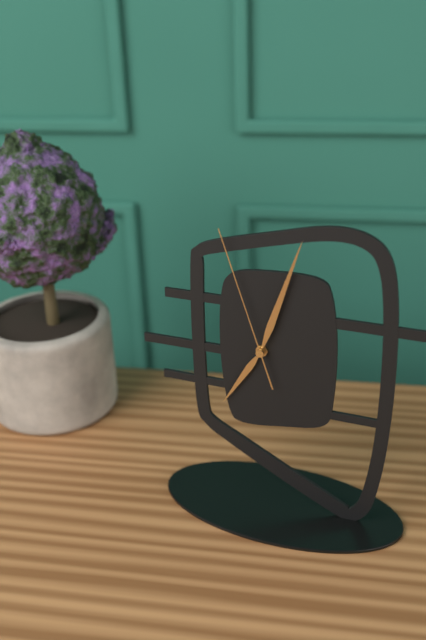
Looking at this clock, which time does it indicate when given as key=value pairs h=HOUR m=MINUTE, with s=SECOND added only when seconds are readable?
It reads h=7 m=3 s=57
